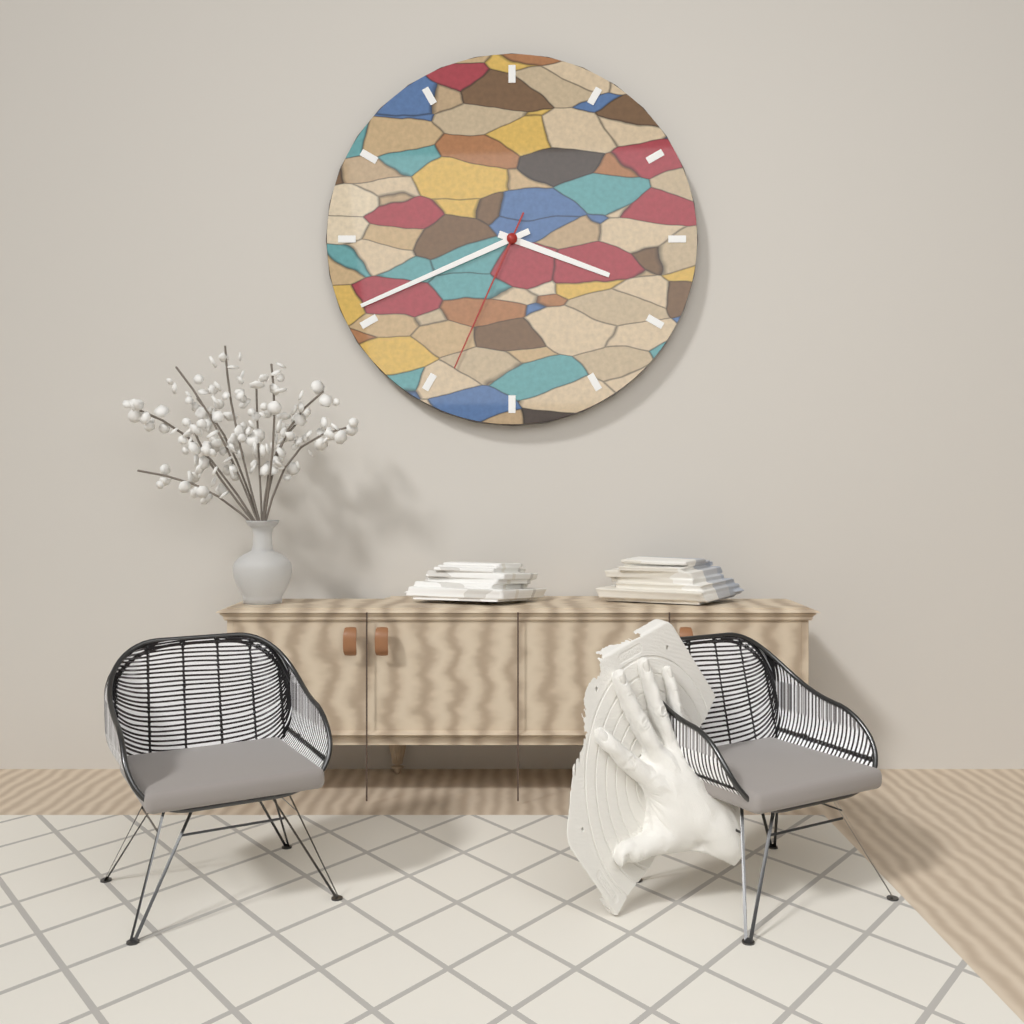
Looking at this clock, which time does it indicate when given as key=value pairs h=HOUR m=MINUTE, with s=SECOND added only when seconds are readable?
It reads h=3 m=41 s=34
